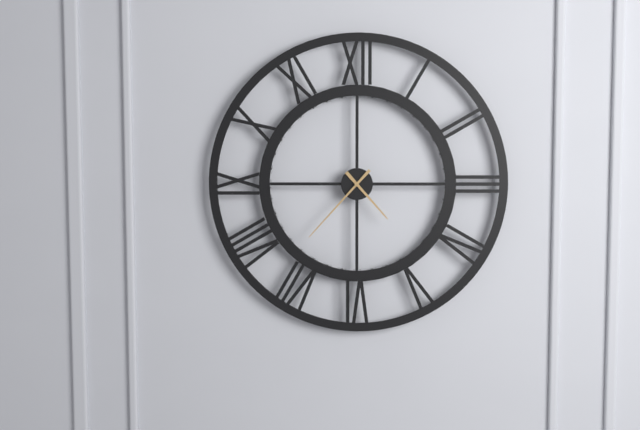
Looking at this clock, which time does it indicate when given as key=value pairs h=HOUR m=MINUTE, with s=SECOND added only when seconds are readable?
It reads h=4 m=37
